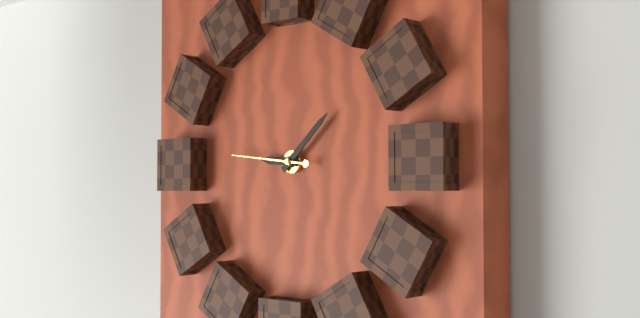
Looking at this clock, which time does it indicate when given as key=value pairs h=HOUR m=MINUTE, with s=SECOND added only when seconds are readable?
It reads h=9 m=8 s=46
